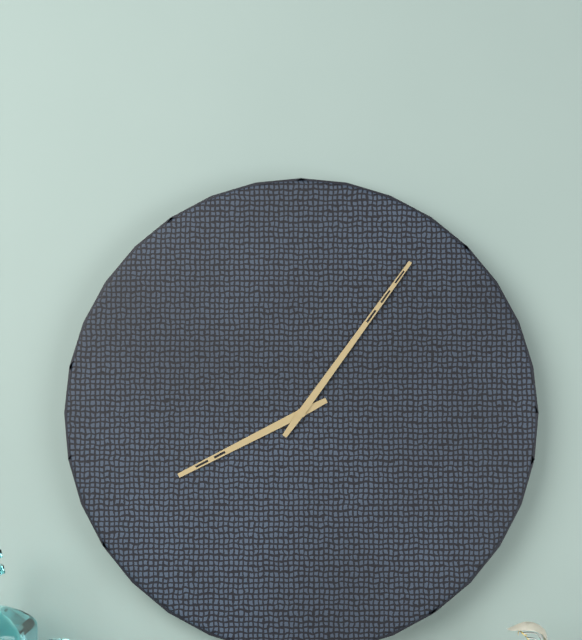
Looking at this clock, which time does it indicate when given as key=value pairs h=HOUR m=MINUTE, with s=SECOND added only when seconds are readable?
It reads h=8 m=6
